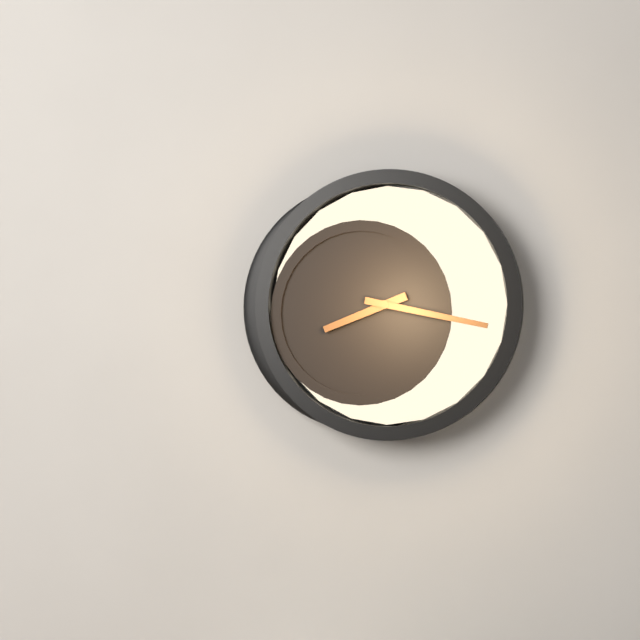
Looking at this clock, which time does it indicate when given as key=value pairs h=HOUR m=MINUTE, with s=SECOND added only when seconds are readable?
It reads h=8 m=17
